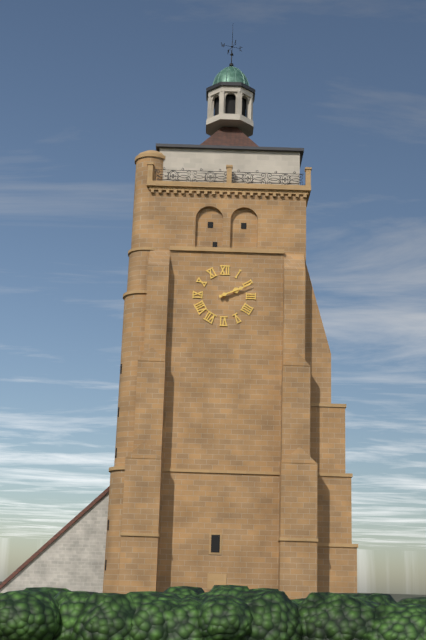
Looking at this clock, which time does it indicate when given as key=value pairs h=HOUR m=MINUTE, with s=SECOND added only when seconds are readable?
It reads h=2 m=11
